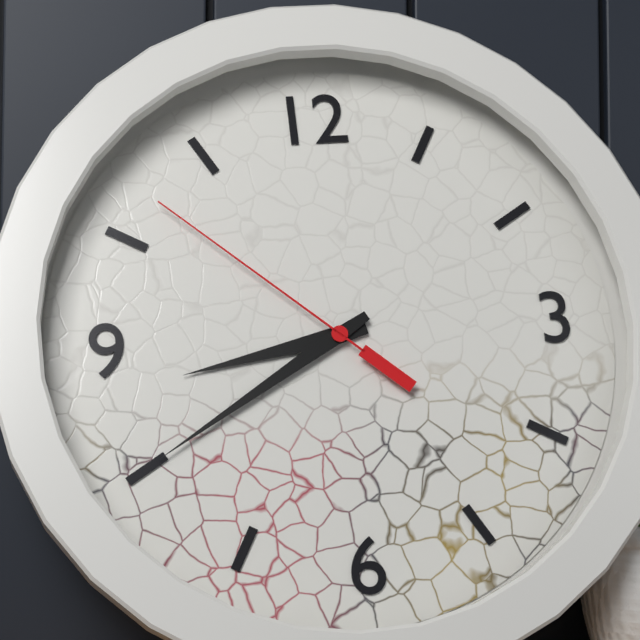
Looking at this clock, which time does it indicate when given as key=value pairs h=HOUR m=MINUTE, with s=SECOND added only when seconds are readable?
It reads h=8 m=40 s=52
